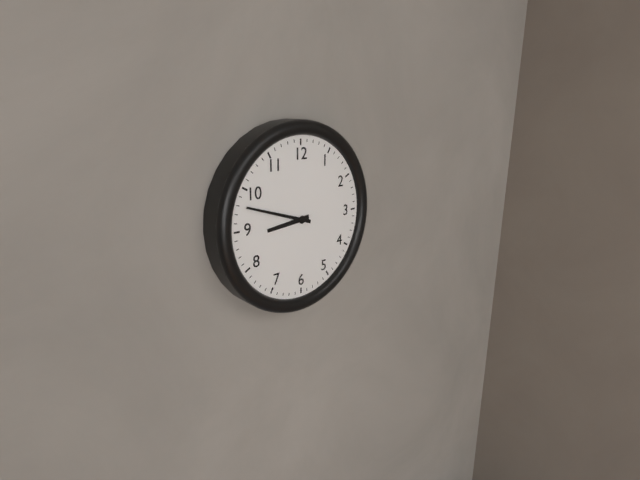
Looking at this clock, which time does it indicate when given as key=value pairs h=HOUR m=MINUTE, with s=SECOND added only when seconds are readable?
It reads h=8 m=48
